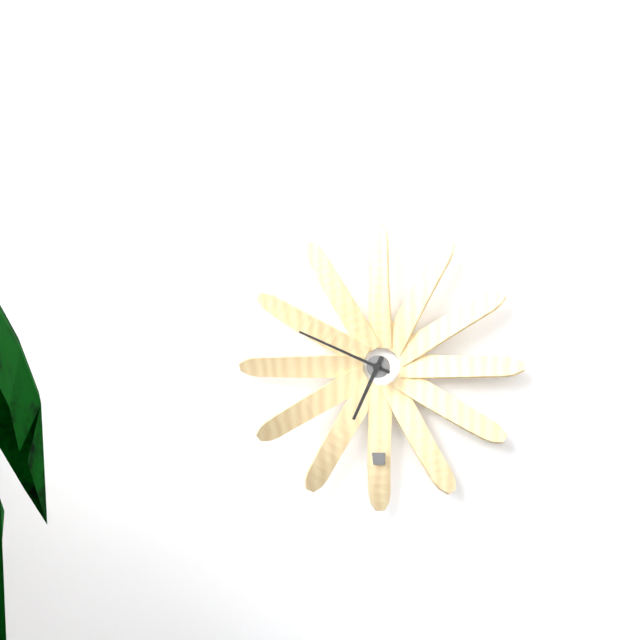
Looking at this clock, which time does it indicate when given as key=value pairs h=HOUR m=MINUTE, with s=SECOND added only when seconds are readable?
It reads h=6 m=49
